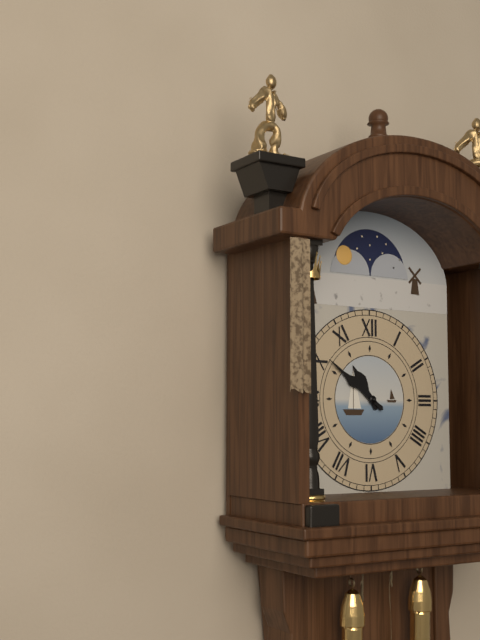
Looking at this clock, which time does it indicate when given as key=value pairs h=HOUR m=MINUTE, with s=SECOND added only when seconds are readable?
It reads h=10 m=51
